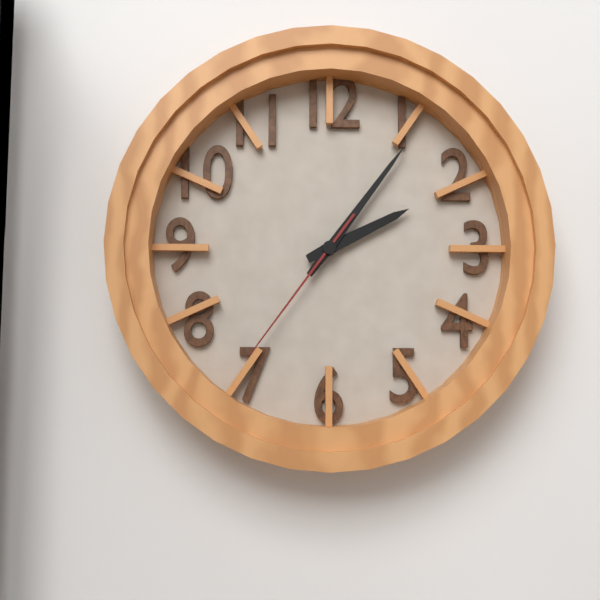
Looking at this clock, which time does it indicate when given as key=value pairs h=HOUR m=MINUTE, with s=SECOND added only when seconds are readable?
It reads h=2 m=6 s=36
